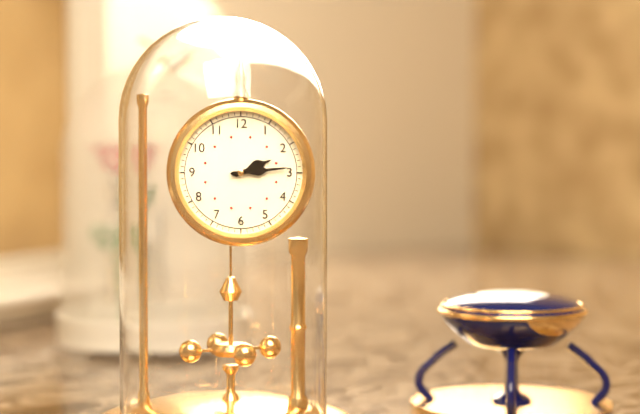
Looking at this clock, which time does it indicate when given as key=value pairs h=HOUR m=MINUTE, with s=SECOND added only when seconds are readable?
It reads h=2 m=14
